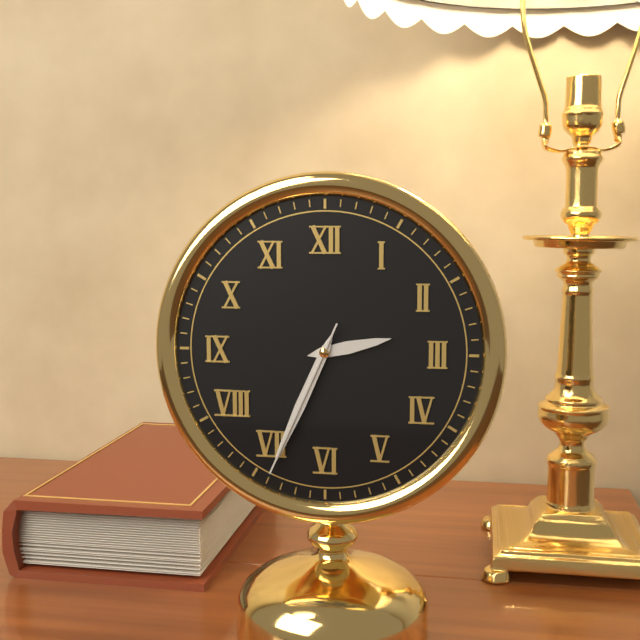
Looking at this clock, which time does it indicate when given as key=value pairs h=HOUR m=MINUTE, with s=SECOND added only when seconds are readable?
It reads h=2 m=34 s=34
